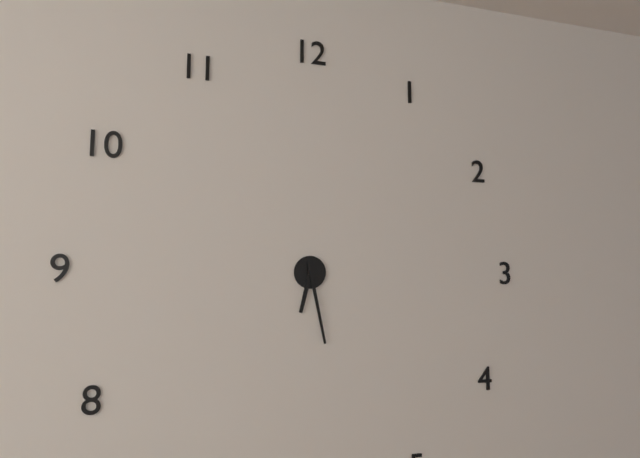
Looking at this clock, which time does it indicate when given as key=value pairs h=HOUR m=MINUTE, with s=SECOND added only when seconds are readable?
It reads h=6 m=28
